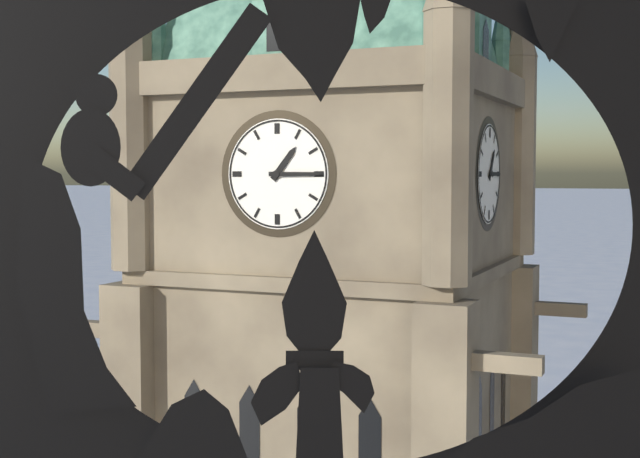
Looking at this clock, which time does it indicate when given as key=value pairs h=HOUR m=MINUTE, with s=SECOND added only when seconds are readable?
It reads h=1 m=15
